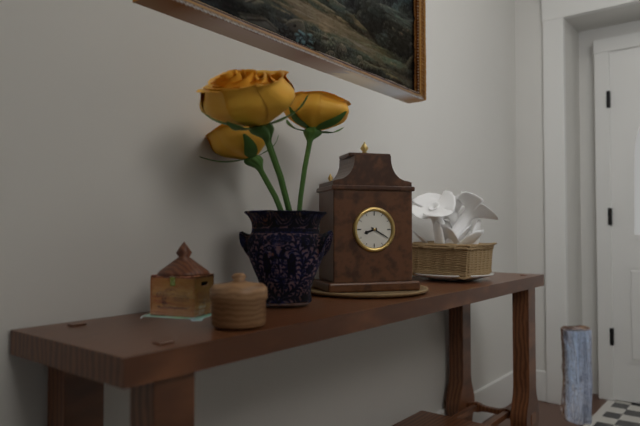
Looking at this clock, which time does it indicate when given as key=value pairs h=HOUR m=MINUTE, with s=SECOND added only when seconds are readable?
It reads h=8 m=20
